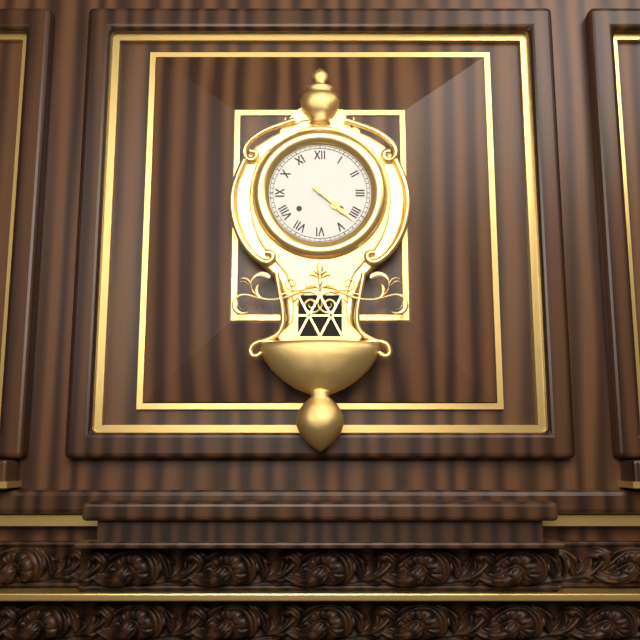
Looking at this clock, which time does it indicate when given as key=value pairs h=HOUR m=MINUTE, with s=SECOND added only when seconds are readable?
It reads h=4 m=22
